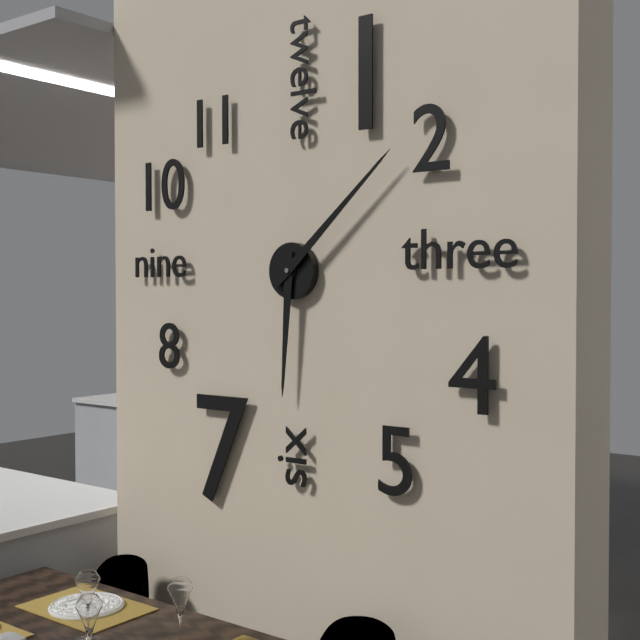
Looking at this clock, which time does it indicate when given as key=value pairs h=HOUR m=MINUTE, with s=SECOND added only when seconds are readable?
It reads h=6 m=8
